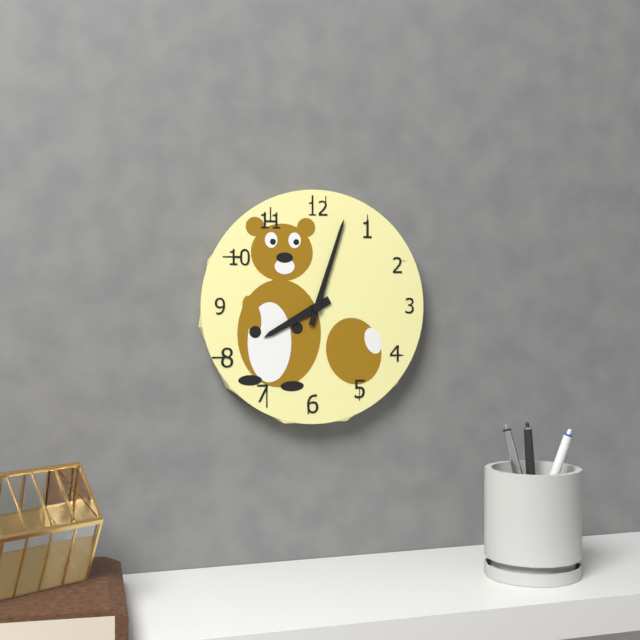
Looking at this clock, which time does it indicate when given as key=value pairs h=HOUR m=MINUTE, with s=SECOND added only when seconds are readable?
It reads h=8 m=3
